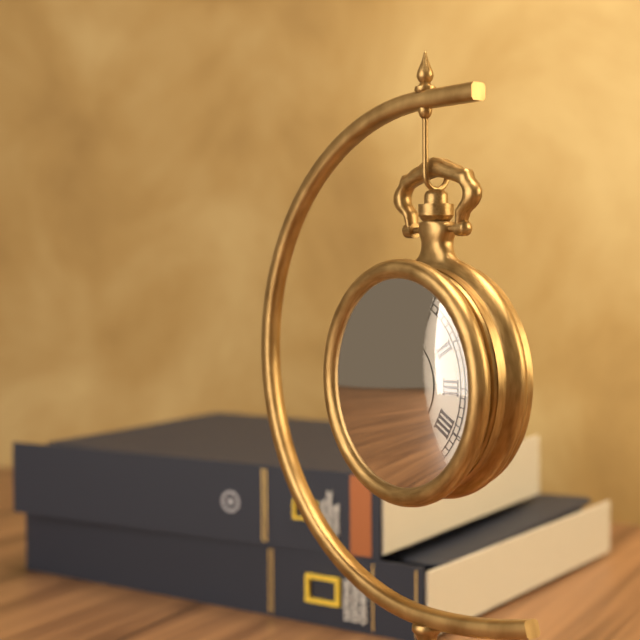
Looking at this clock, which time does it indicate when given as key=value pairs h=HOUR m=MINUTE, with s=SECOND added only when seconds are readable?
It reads h=8 m=51 s=55
